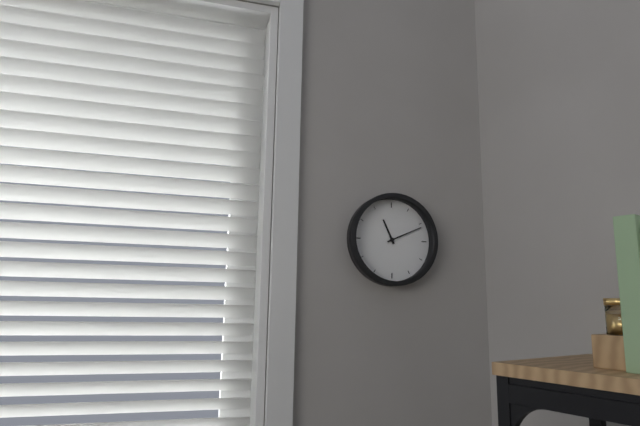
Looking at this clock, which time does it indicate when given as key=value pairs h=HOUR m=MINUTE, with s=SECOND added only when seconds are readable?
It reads h=11 m=11
